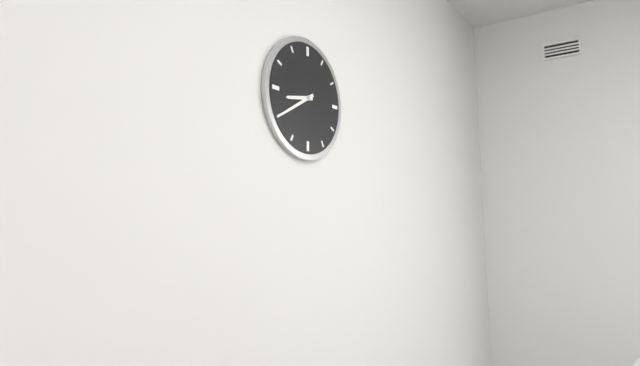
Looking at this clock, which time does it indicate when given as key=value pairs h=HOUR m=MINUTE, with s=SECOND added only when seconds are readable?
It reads h=8 m=40
